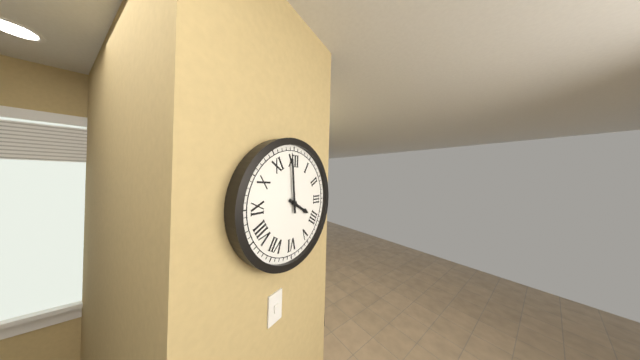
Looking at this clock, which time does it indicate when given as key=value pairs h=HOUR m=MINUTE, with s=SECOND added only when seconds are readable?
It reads h=3 m=59
